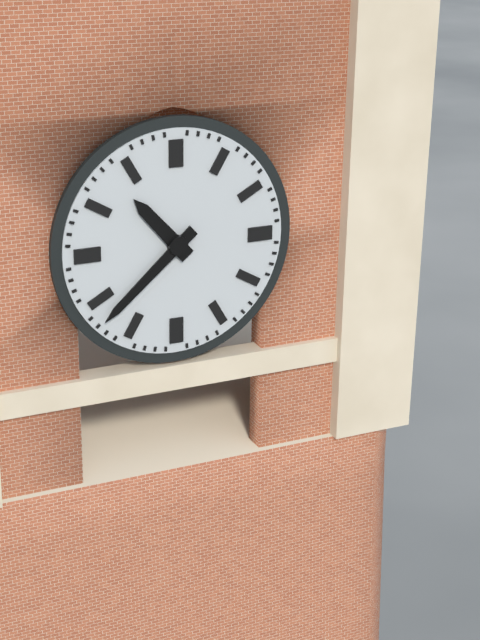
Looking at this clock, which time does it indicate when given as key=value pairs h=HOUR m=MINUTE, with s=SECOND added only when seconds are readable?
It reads h=10 m=38
